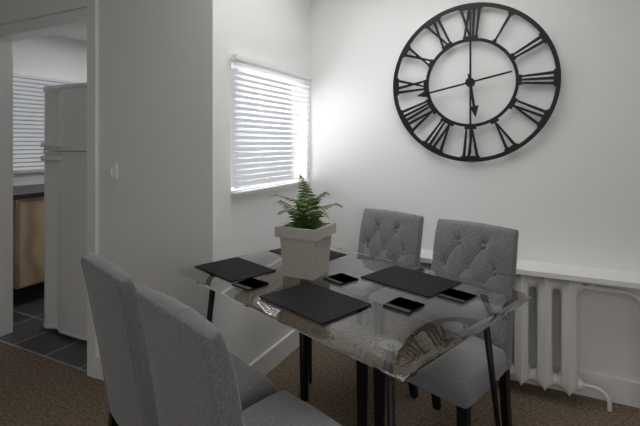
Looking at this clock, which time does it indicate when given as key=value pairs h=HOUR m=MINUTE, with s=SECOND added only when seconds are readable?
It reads h=5 m=43
